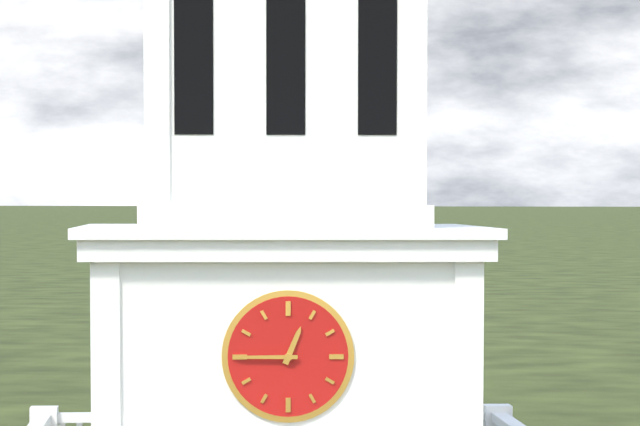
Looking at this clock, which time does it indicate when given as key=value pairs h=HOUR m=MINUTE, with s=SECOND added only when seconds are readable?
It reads h=12 m=45
